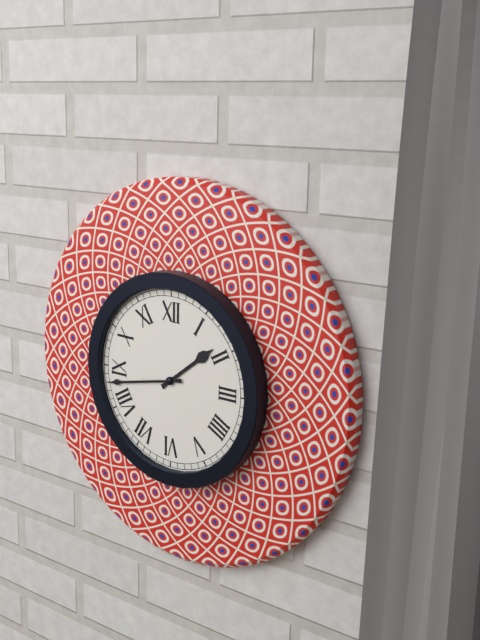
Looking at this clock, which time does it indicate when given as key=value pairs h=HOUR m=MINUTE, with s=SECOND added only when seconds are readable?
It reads h=1 m=43
